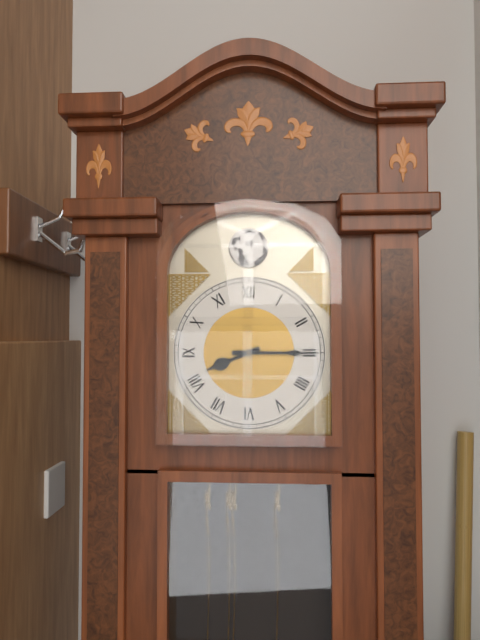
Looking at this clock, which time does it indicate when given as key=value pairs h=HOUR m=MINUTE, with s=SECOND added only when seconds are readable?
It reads h=8 m=15
